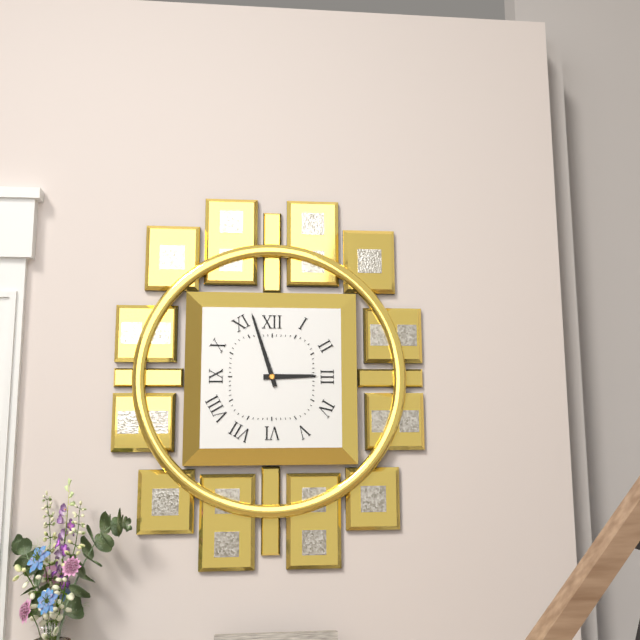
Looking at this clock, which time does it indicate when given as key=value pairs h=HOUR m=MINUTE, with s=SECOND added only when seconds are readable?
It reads h=2 m=57
